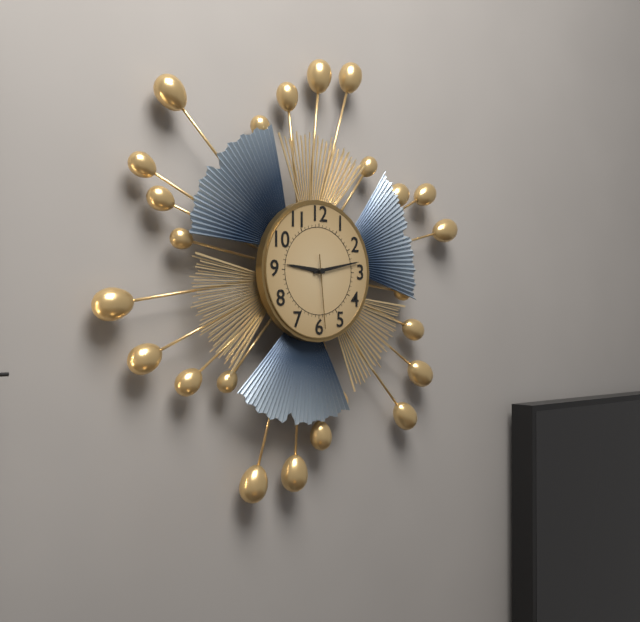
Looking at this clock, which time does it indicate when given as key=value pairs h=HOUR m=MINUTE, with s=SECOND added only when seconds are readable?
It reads h=9 m=13 s=29
